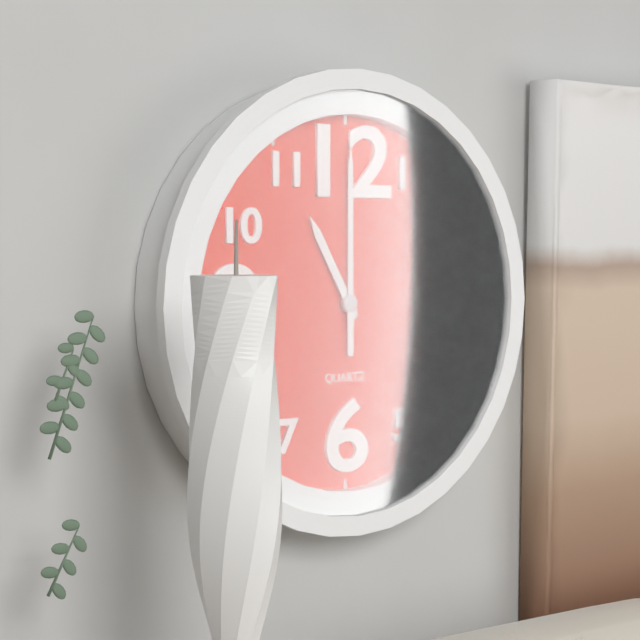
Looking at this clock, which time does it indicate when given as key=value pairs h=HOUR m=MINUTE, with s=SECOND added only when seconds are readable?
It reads h=11 m=0
